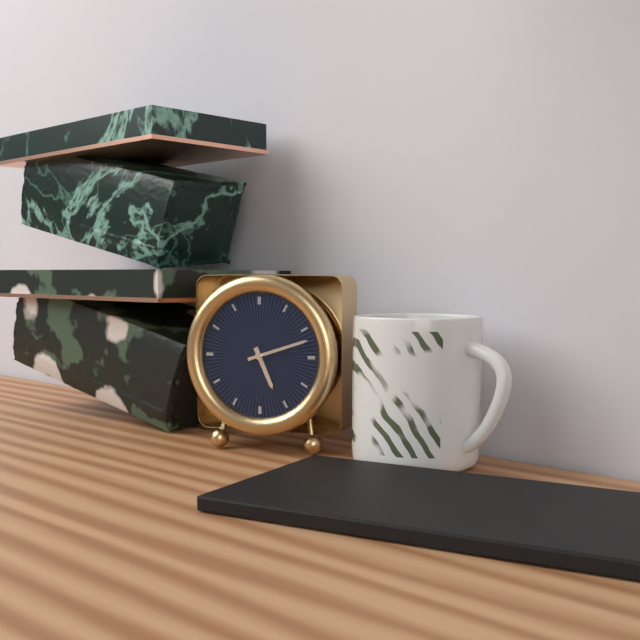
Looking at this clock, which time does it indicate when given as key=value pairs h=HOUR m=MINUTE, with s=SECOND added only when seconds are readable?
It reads h=5 m=12
